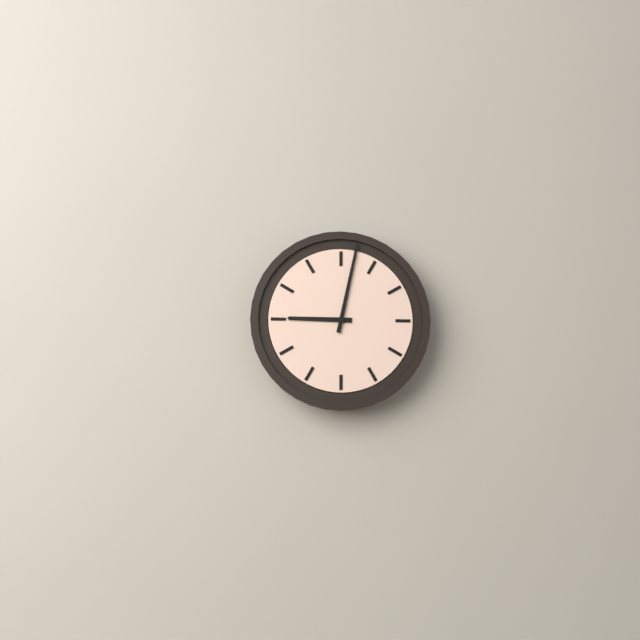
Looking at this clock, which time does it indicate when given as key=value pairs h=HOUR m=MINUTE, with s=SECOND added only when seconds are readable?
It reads h=9 m=2
